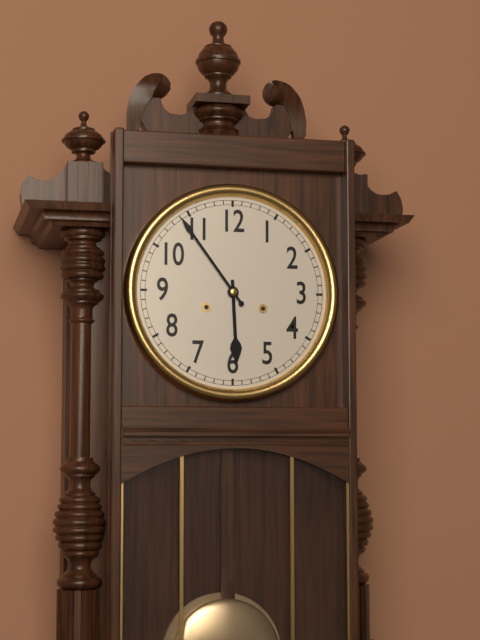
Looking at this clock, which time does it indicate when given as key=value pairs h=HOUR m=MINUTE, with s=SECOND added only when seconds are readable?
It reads h=5 m=54
